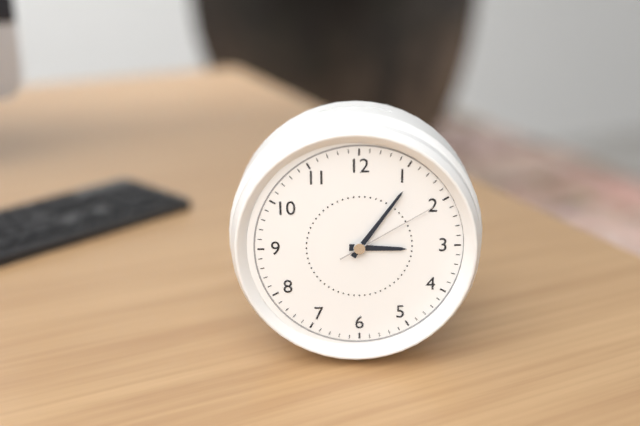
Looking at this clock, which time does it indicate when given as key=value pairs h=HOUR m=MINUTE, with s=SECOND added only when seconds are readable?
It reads h=3 m=6 s=10
